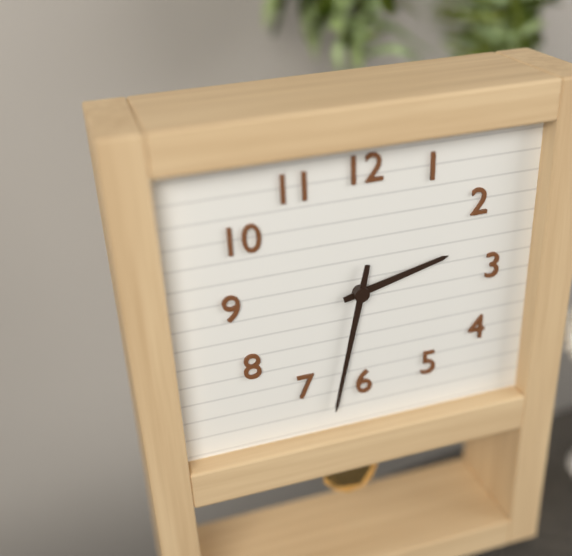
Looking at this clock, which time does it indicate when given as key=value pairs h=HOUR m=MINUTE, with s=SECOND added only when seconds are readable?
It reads h=2 m=32
